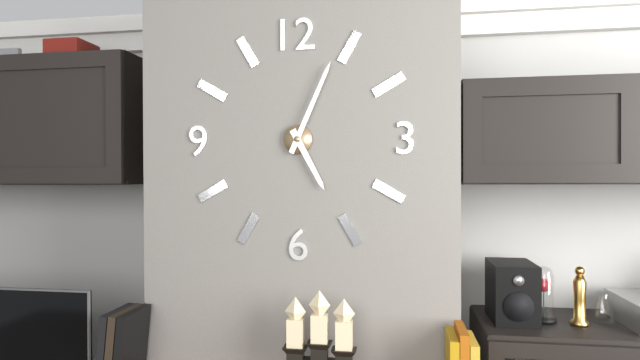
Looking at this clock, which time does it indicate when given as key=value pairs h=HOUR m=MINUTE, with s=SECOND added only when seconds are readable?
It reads h=5 m=4
